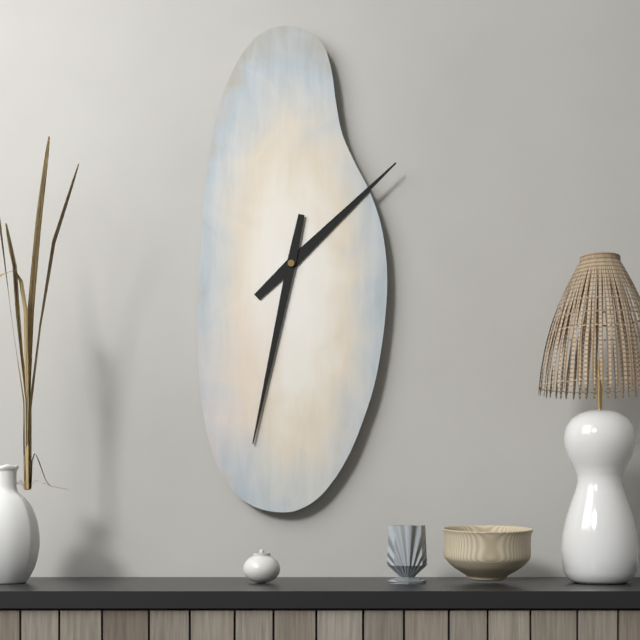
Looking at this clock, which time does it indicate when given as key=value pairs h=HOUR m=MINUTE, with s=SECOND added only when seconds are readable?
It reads h=1 m=32
